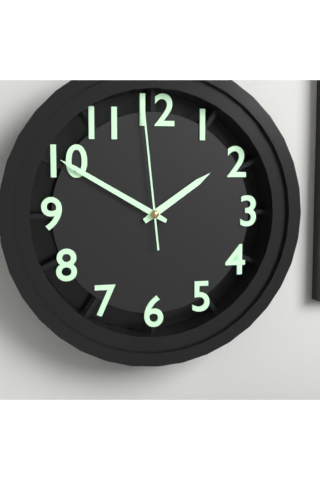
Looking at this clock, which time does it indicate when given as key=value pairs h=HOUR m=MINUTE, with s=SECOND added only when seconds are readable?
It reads h=1 m=50 s=59
